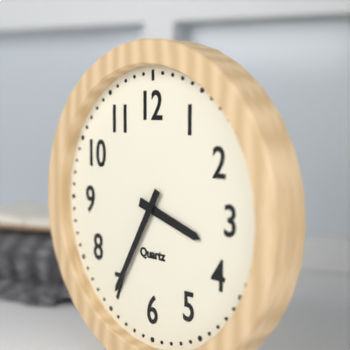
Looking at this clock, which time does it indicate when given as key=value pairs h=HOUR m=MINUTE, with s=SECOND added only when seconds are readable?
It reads h=3 m=35
